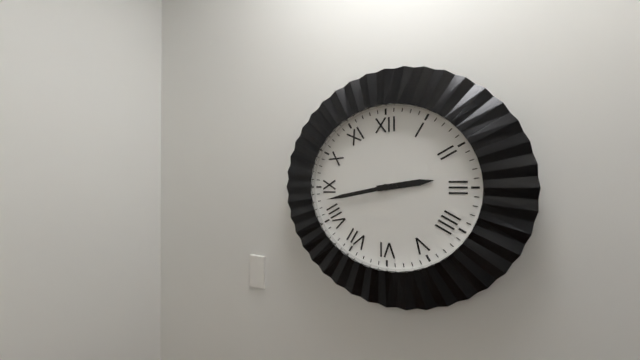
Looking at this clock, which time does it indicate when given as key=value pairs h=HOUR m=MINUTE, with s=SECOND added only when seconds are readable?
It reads h=2 m=43
